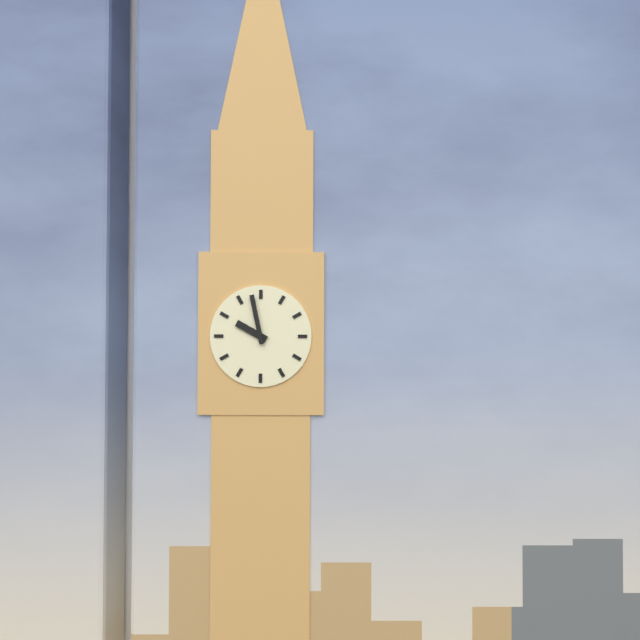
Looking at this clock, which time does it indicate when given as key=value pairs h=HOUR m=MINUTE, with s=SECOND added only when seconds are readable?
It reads h=9 m=58
